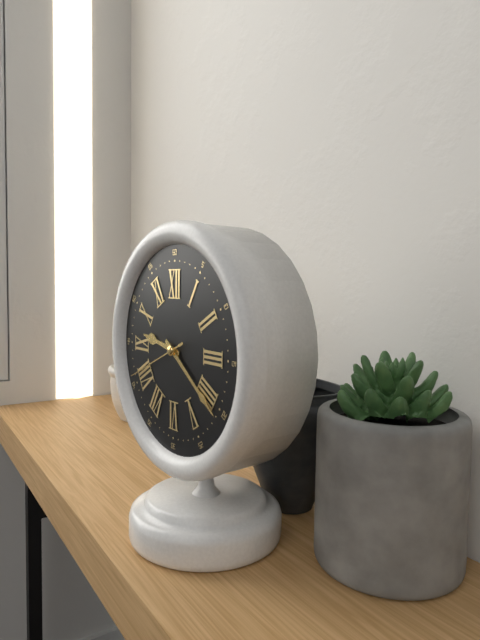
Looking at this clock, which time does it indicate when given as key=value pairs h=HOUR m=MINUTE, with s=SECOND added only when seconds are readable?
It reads h=9 m=21 s=41
